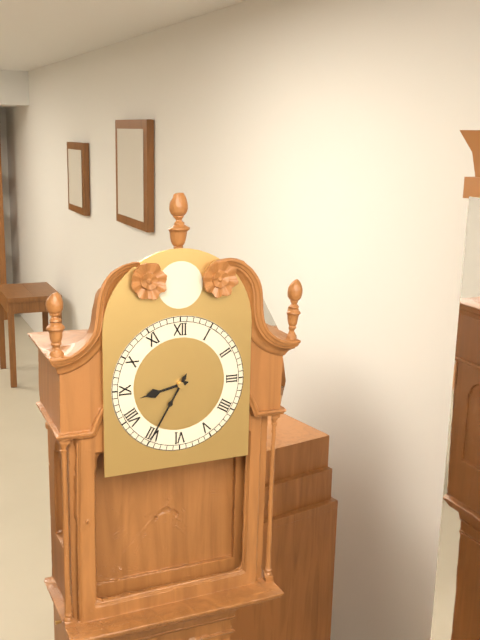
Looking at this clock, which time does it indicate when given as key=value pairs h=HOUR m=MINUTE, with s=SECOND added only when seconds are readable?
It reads h=8 m=35
